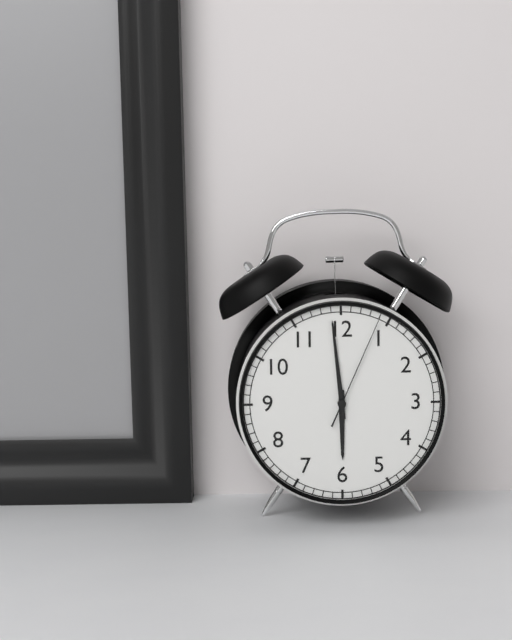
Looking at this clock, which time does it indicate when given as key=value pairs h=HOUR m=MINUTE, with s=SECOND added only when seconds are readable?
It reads h=5 m=59 s=4
